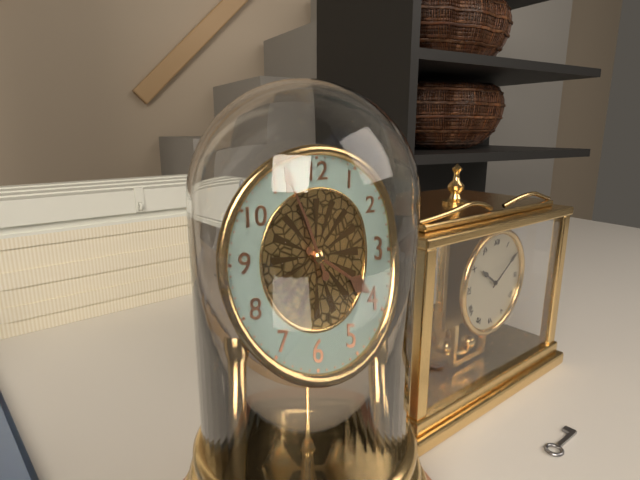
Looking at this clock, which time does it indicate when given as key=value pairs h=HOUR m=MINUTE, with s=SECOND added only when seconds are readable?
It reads h=3 m=56
